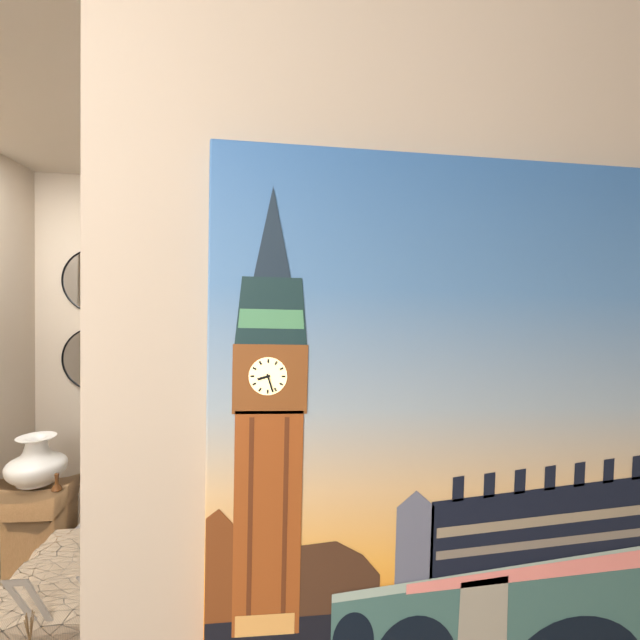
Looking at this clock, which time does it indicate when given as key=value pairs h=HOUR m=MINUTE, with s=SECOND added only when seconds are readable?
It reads h=8 m=27
